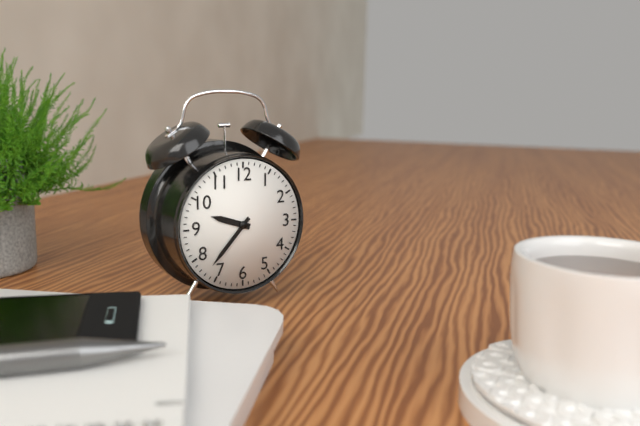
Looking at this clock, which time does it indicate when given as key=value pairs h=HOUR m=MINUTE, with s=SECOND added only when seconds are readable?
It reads h=9 m=37
